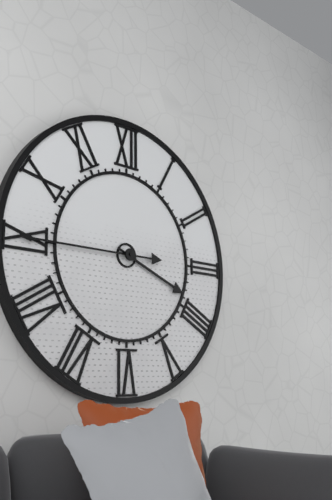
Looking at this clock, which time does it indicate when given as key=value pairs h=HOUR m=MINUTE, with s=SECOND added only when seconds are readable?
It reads h=3 m=45
